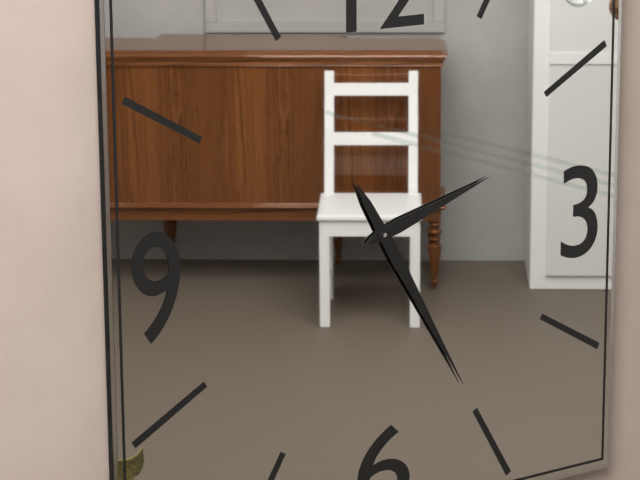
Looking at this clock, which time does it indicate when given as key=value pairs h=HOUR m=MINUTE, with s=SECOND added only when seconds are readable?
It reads h=2 m=25
